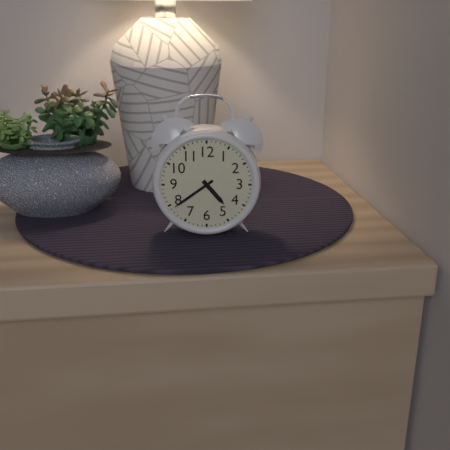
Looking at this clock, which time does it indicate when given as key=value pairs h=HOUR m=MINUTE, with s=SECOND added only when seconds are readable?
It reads h=4 m=39
